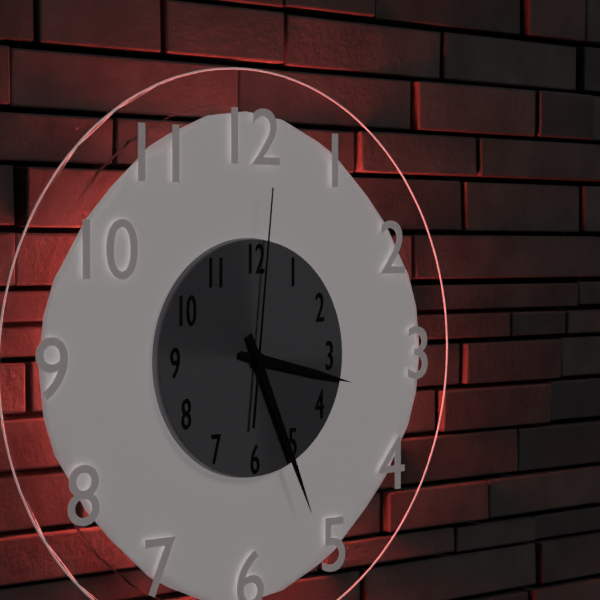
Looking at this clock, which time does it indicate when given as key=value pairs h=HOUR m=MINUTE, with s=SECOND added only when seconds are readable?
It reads h=3 m=26 s=1
